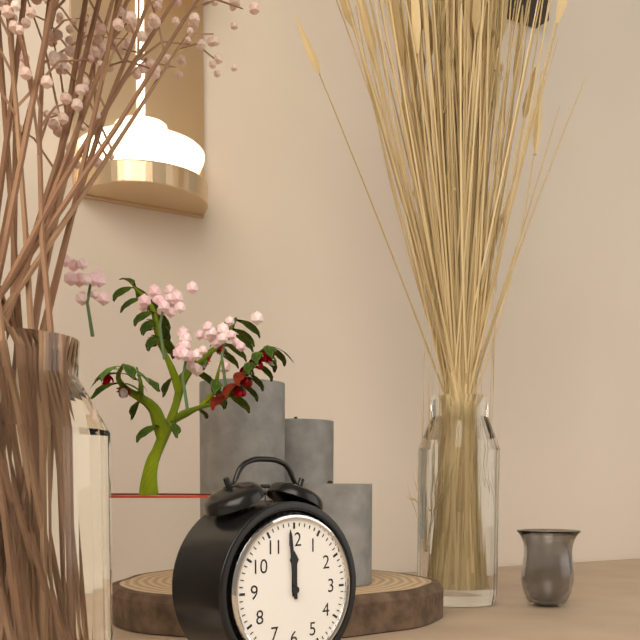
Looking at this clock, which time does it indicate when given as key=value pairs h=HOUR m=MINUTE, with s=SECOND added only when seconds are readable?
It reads h=11 m=59
